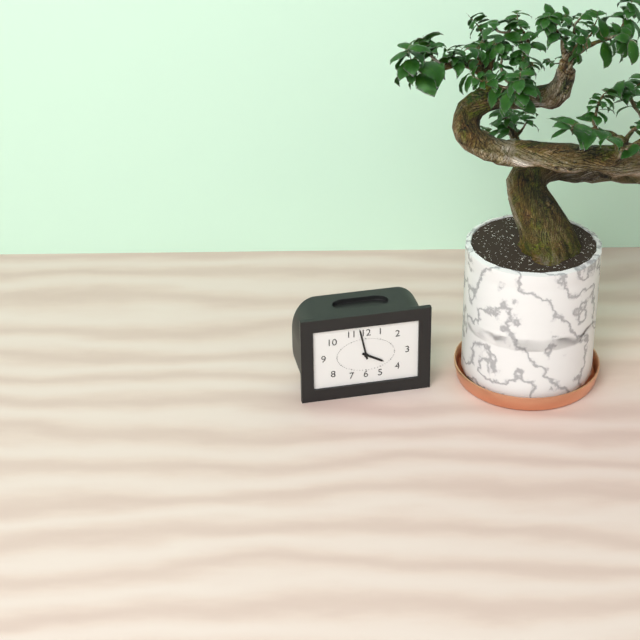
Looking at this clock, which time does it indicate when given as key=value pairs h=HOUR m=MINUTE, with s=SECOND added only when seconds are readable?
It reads h=3 m=58
